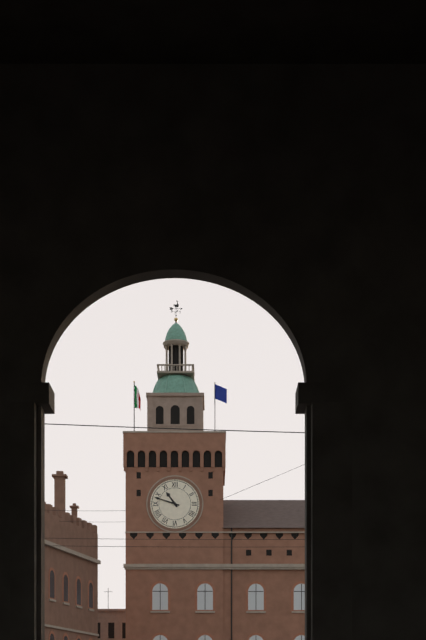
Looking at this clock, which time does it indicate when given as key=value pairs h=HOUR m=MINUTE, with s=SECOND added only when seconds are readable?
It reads h=10 m=48
